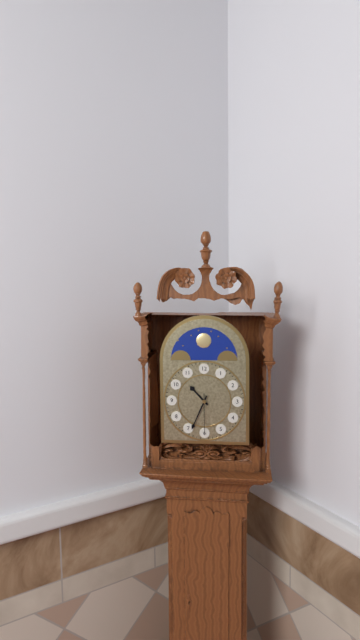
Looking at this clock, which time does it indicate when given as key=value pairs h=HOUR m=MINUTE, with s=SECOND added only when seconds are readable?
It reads h=10 m=34
